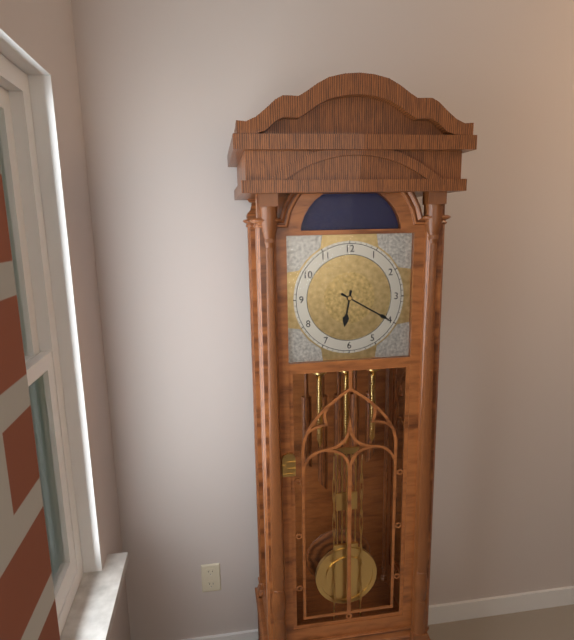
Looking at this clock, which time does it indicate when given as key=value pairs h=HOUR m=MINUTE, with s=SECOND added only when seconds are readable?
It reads h=6 m=20
